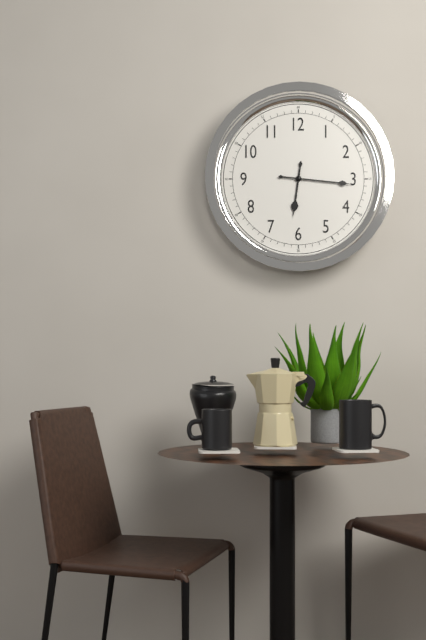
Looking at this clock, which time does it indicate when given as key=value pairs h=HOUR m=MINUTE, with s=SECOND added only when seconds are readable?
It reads h=6 m=16
